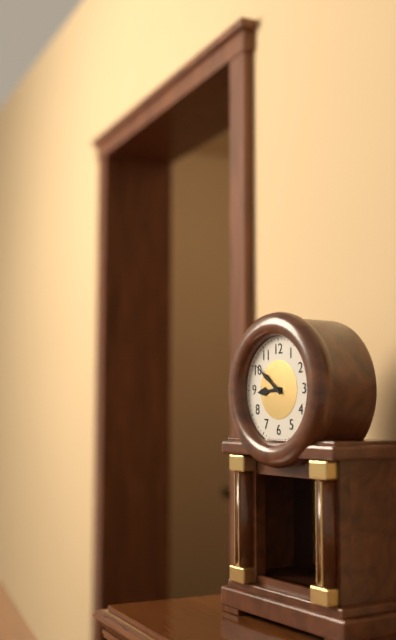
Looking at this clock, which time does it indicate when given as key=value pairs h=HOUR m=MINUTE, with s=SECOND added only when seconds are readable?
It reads h=8 m=51
